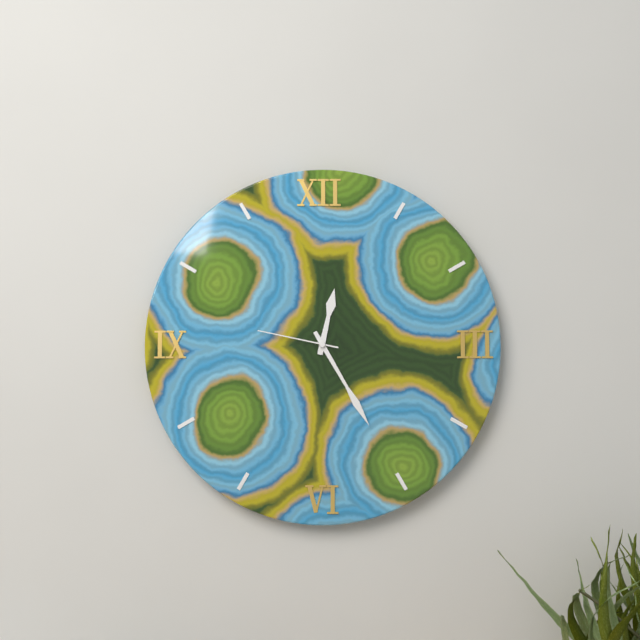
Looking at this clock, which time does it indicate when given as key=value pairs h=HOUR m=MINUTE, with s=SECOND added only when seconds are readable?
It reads h=12 m=25 s=47
